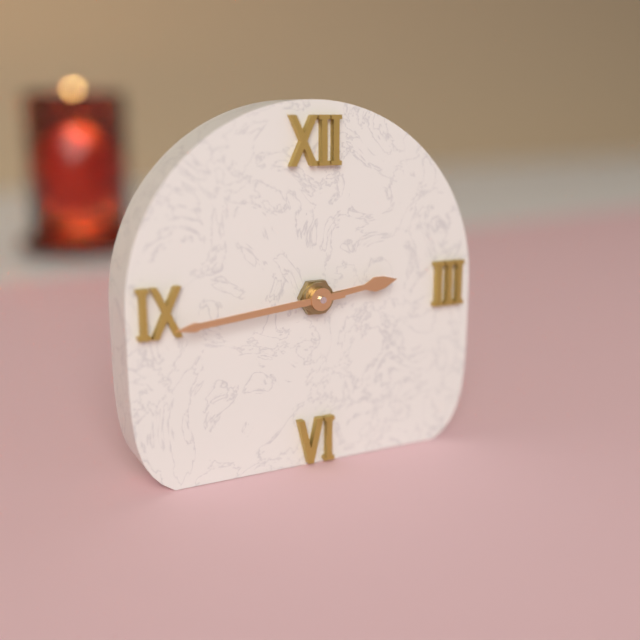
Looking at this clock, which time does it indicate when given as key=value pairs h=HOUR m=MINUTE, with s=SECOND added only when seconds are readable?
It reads h=2 m=44
